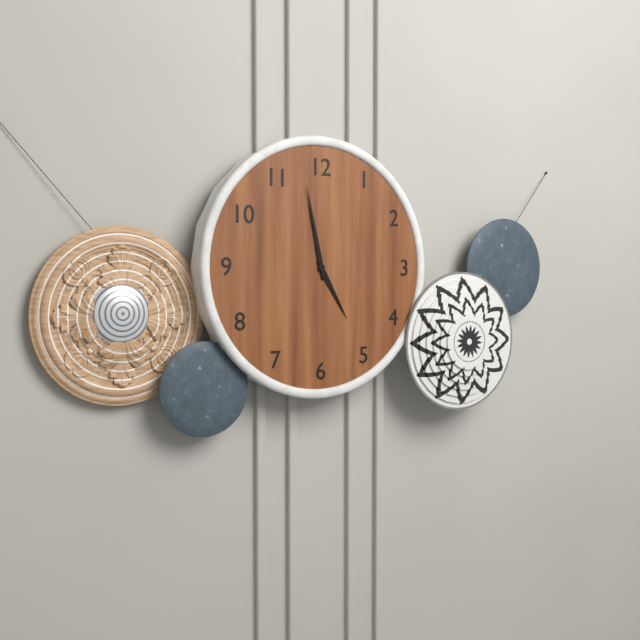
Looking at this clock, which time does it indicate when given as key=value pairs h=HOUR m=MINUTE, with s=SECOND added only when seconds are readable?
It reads h=4 m=58
